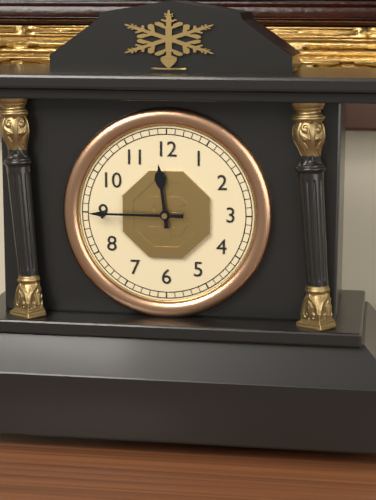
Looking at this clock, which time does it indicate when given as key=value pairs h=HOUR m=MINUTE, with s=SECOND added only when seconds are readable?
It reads h=11 m=45
